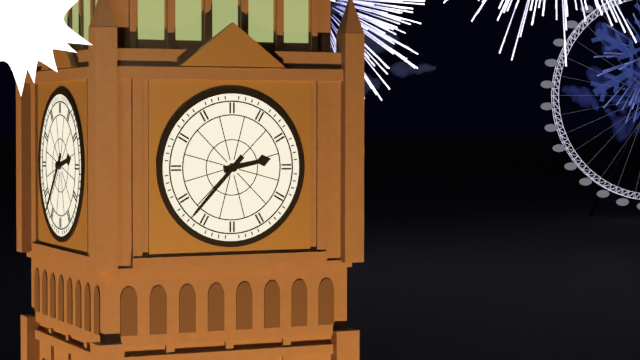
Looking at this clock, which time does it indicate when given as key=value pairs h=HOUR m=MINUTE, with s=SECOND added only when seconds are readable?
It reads h=2 m=37
